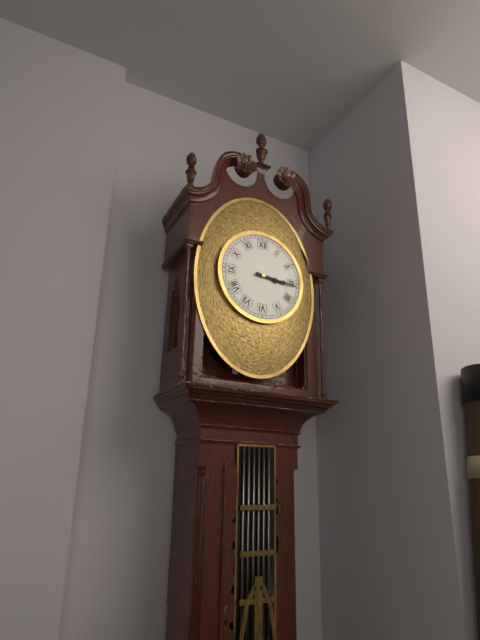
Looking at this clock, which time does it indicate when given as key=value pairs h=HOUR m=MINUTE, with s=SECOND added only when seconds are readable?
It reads h=3 m=16
